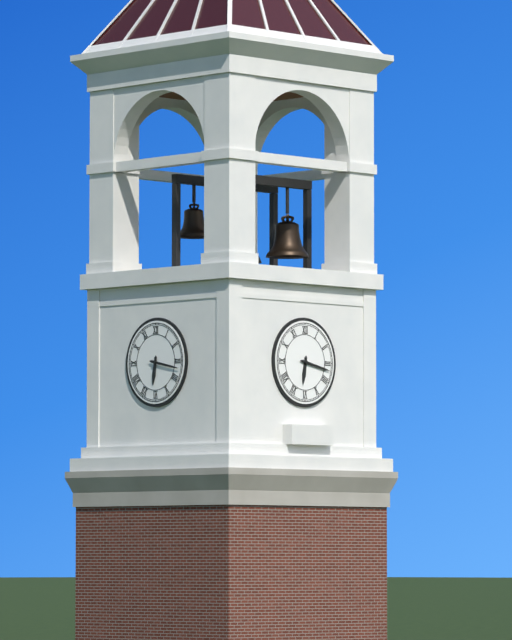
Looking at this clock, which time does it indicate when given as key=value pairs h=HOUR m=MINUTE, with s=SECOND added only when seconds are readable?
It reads h=6 m=17
